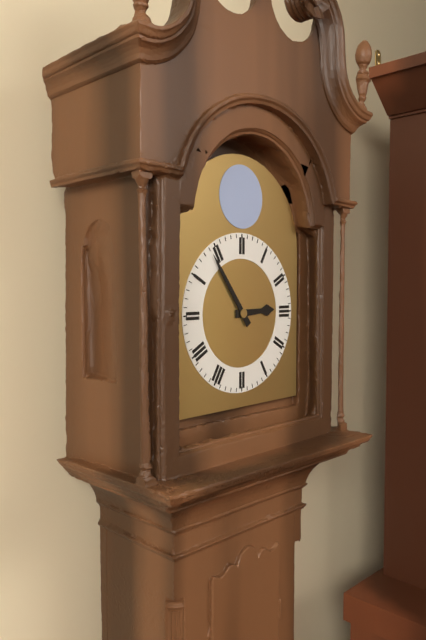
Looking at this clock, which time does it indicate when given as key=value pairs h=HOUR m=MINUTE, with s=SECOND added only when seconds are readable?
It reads h=2 m=54
